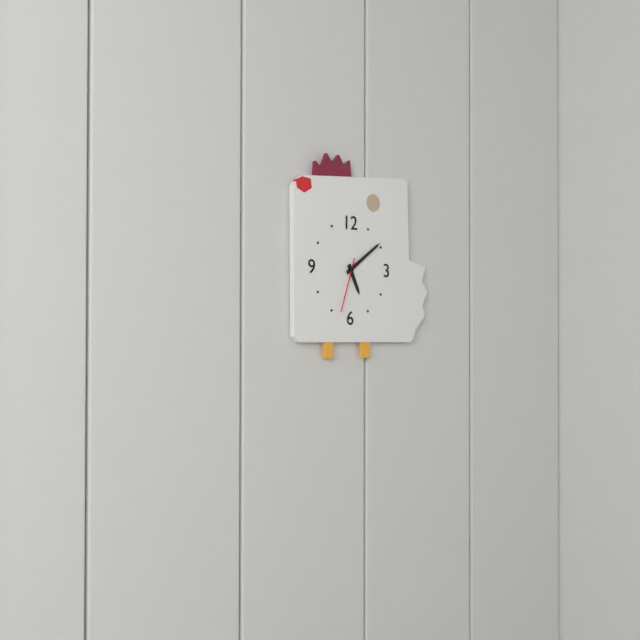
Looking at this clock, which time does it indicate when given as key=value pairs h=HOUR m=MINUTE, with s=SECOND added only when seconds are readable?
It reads h=5 m=9 s=33
